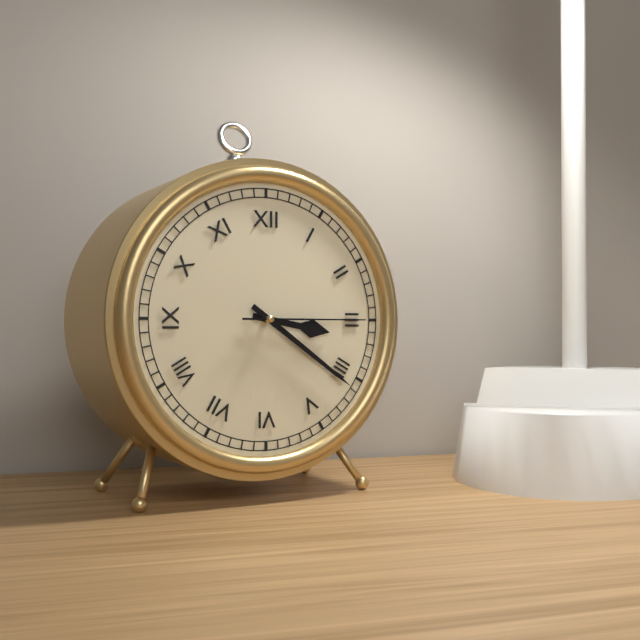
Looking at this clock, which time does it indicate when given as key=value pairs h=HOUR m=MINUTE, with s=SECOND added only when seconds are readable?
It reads h=3 m=21 s=15
